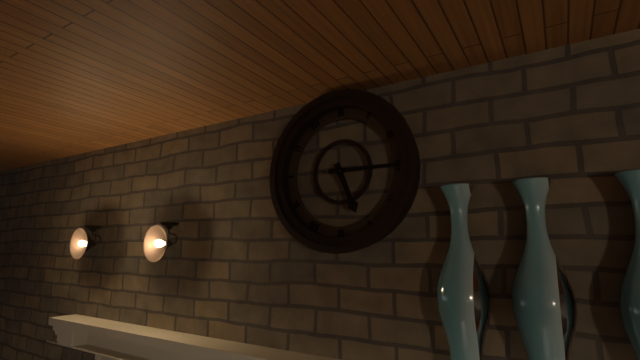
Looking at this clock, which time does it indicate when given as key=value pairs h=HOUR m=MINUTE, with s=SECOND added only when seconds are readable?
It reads h=5 m=15
